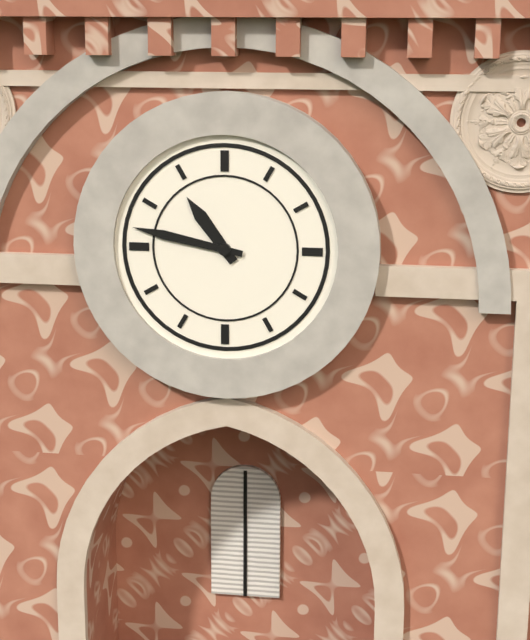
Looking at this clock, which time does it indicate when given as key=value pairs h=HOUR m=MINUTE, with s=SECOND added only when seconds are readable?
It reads h=10 m=47
